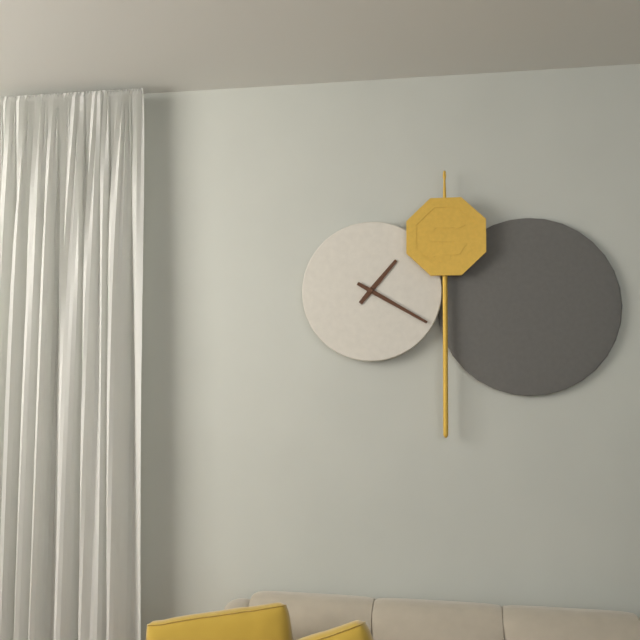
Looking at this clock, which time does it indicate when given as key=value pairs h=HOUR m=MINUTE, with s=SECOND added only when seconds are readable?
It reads h=1 m=20
